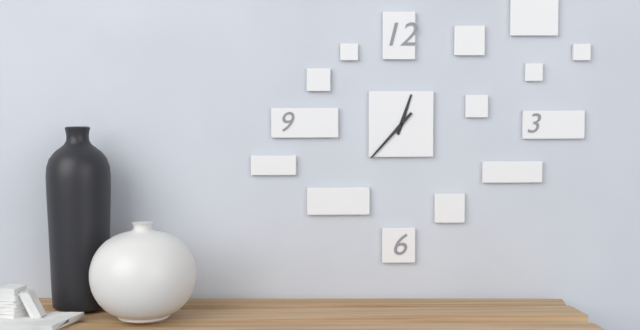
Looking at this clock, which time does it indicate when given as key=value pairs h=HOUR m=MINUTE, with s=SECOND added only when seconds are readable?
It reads h=12 m=37
